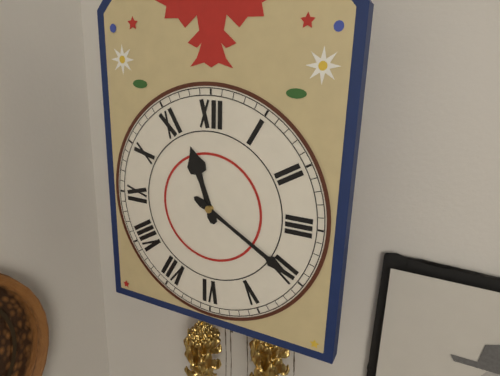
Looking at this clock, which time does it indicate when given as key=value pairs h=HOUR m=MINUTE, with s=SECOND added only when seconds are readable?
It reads h=11 m=20
